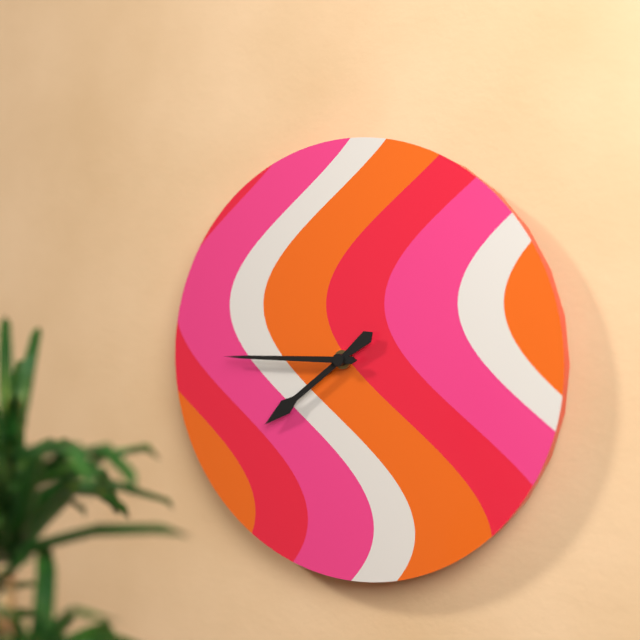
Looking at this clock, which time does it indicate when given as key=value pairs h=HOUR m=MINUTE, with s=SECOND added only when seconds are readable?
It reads h=7 m=45
